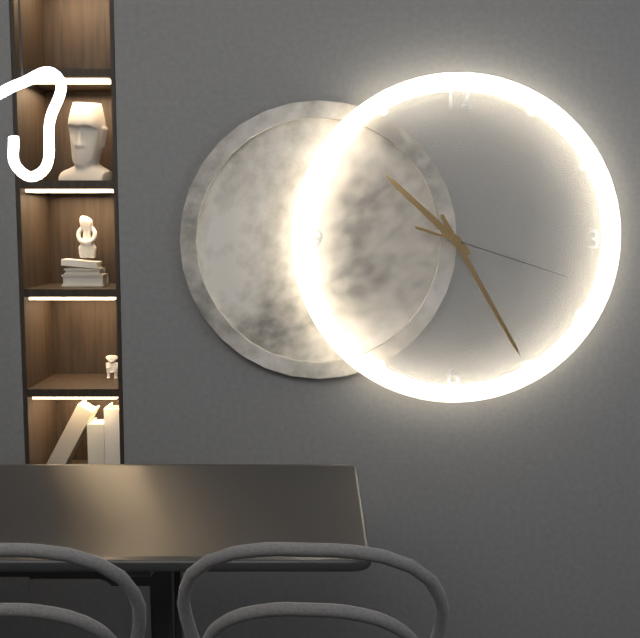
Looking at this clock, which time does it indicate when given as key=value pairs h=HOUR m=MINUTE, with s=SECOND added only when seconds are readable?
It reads h=10 m=25 s=18
